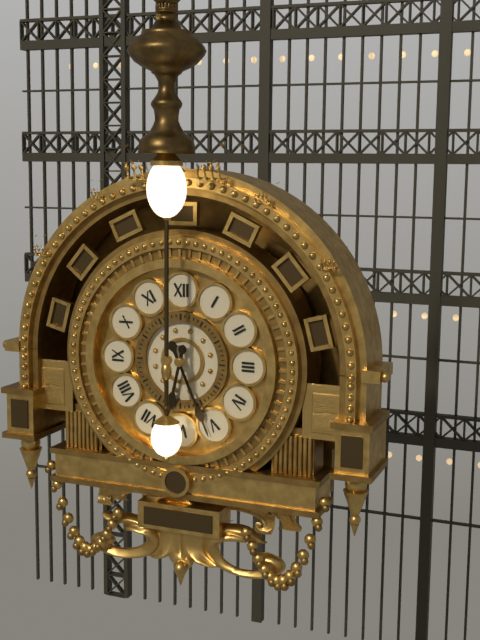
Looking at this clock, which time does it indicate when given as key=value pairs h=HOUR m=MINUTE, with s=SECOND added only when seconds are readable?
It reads h=6 m=26
